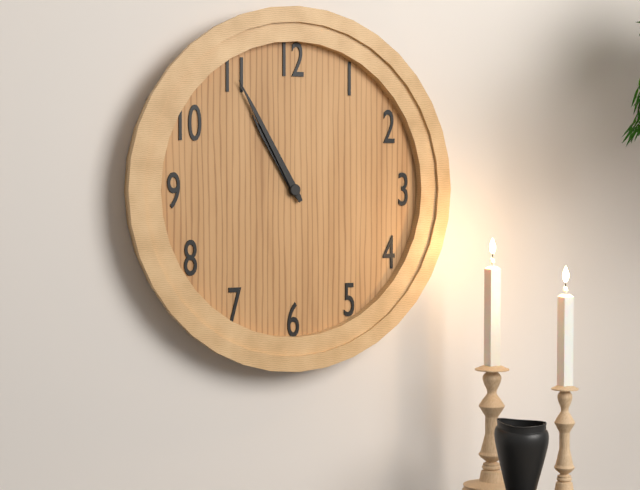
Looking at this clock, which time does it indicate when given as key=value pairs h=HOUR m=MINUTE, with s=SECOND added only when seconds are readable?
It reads h=10 m=55
